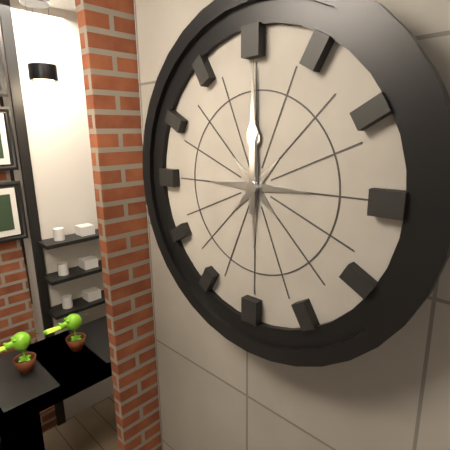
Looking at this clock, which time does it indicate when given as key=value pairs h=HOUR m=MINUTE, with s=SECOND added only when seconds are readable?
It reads h=12 m=0
